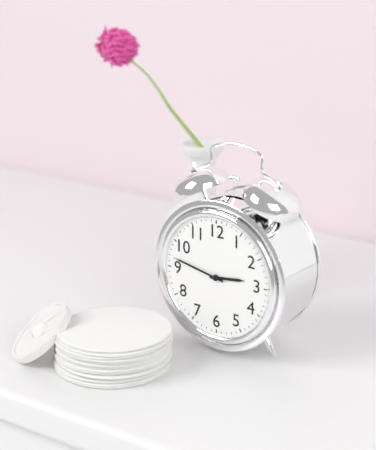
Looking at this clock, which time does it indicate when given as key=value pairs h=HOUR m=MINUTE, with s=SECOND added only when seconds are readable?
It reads h=2 m=47
